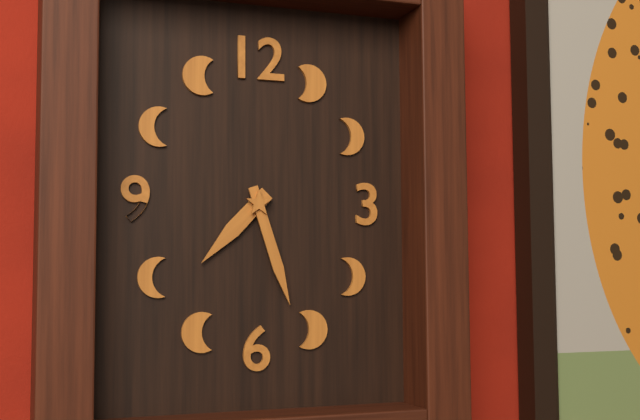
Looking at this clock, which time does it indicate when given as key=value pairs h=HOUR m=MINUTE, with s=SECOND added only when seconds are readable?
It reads h=7 m=27
